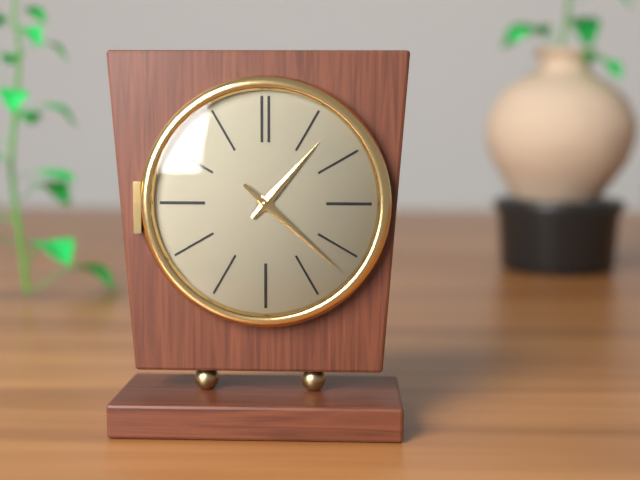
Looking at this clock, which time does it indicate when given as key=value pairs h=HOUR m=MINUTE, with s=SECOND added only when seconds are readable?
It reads h=1 m=22
